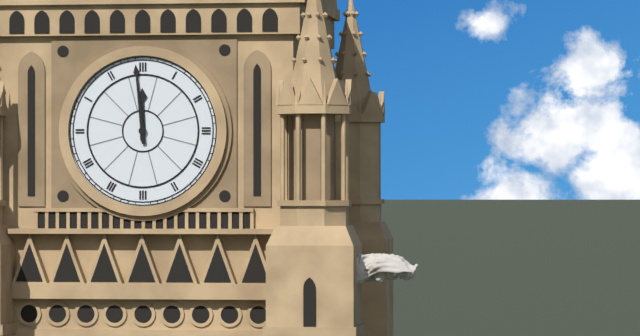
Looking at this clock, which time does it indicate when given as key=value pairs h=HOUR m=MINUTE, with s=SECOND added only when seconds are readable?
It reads h=11 m=59
